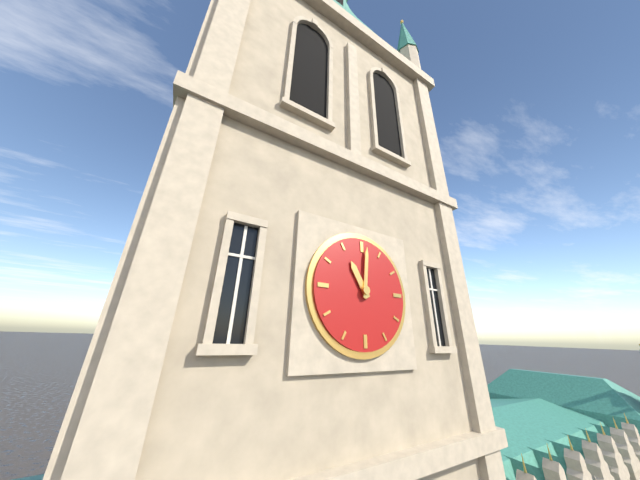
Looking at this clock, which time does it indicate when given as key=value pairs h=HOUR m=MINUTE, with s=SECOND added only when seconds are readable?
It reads h=11 m=1
